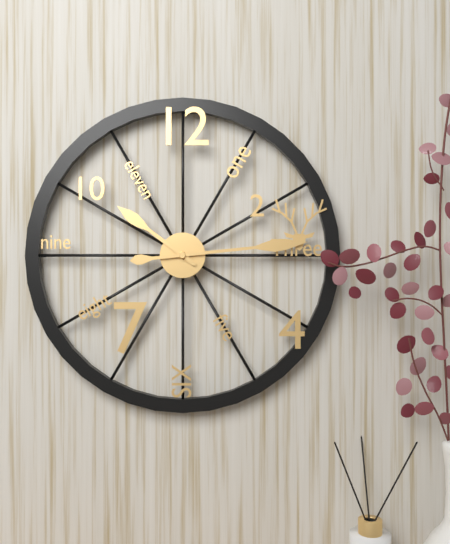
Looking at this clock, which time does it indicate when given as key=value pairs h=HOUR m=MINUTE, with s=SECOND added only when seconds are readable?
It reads h=10 m=14
